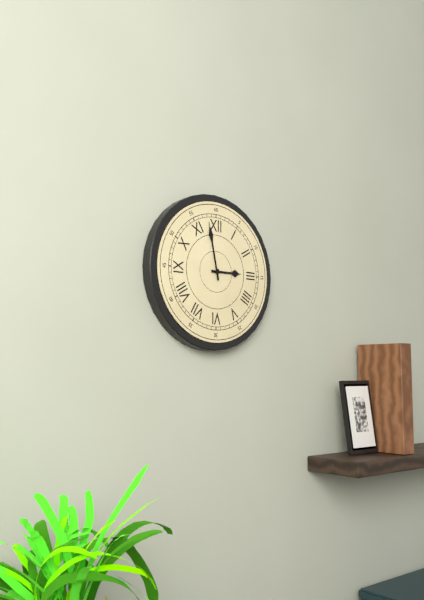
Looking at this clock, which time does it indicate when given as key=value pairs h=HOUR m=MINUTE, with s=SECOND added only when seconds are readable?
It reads h=2 m=58
